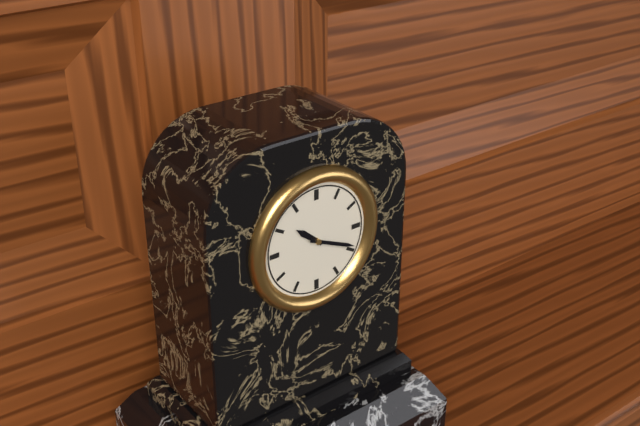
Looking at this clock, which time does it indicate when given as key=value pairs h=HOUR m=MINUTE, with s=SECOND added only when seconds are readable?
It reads h=10 m=19
